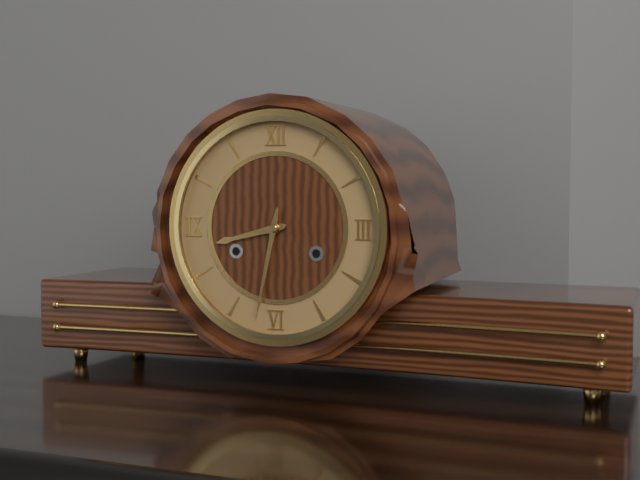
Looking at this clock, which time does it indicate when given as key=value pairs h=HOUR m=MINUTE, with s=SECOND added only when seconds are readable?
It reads h=8 m=32
